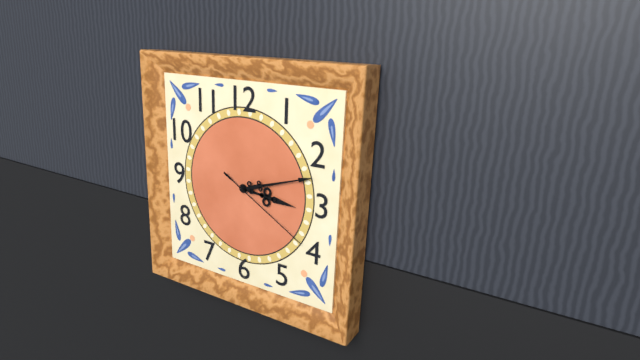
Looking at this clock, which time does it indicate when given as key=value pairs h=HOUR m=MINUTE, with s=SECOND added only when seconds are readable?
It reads h=3 m=12 s=20
